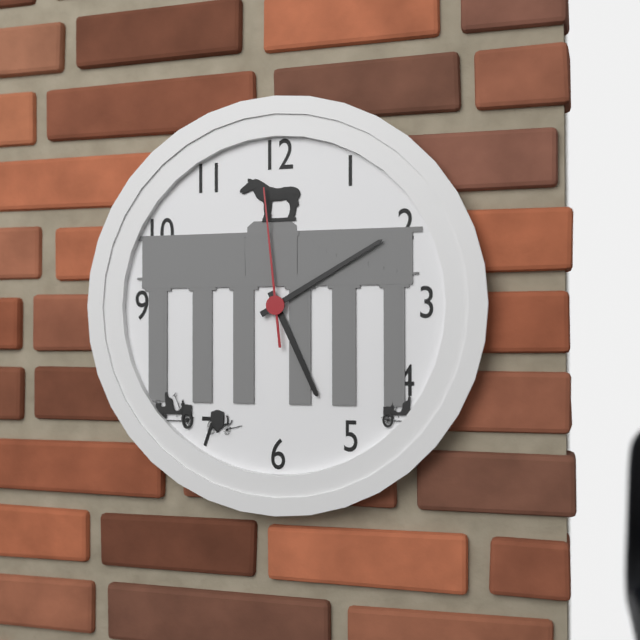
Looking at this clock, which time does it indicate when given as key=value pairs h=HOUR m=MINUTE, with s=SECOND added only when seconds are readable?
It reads h=5 m=10 s=59
